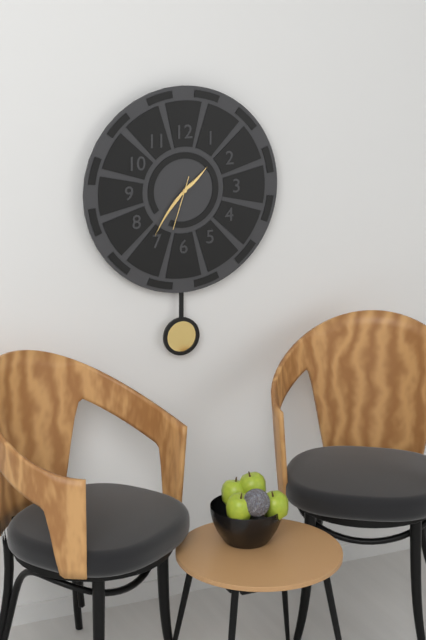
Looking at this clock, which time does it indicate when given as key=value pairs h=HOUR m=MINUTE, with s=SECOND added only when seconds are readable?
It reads h=1 m=36 s=33
